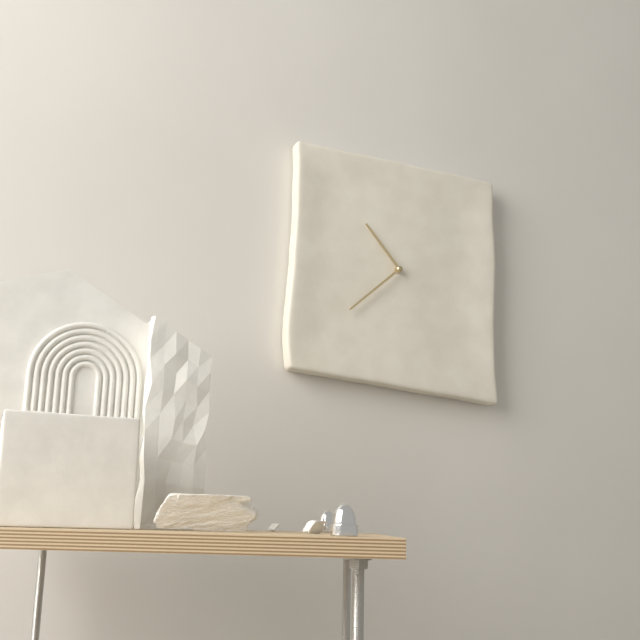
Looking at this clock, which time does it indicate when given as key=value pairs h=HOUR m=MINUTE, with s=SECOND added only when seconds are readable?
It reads h=10 m=38
